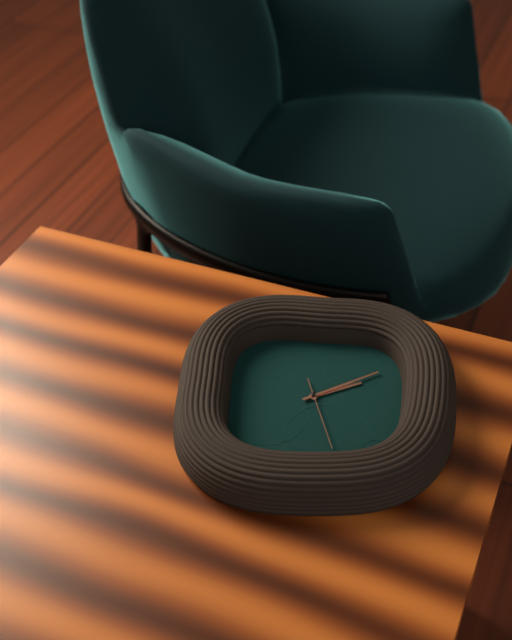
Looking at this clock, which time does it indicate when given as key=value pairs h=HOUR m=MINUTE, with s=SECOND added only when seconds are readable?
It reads h=2 m=10 s=27
